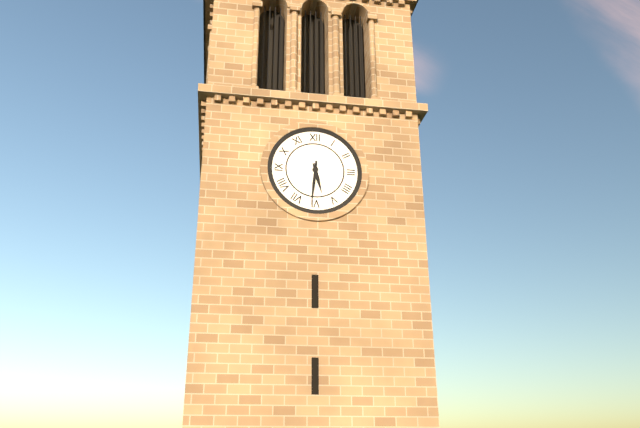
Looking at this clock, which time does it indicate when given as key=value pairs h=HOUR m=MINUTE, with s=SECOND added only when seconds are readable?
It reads h=5 m=31
